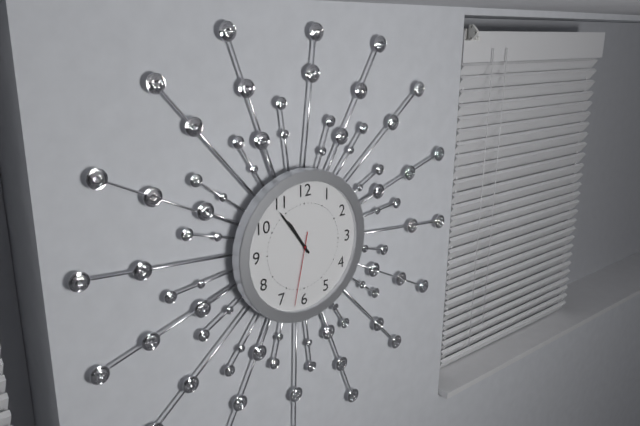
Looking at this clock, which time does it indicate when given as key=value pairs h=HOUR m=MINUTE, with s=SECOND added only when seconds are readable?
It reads h=10 m=54 s=32
